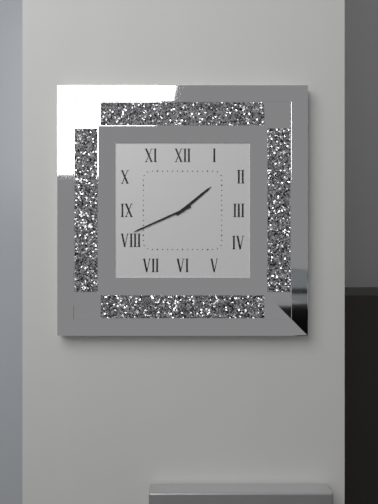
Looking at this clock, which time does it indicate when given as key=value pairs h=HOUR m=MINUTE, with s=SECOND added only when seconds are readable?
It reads h=1 m=41
